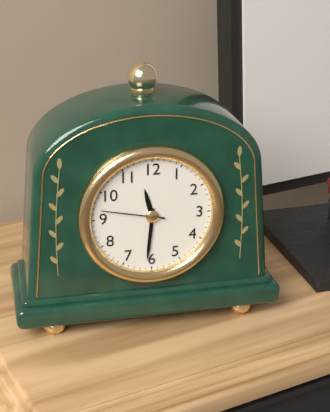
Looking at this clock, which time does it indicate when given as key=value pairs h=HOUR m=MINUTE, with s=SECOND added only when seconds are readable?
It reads h=11 m=31 s=47
